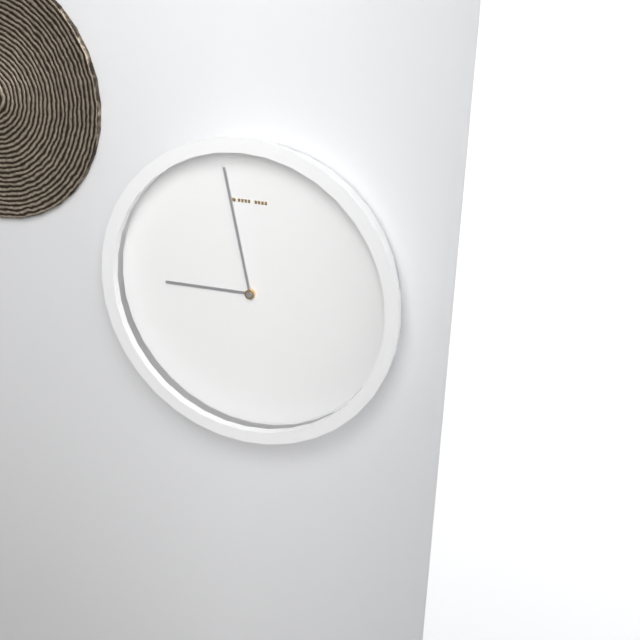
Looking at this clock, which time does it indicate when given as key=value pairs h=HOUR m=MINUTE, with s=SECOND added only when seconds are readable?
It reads h=8 m=58
